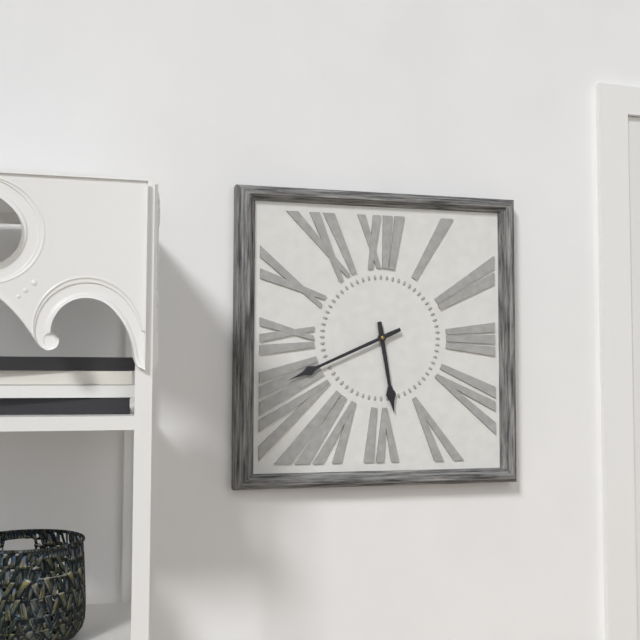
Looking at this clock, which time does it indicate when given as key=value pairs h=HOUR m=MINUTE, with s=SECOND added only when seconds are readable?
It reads h=5 m=41
